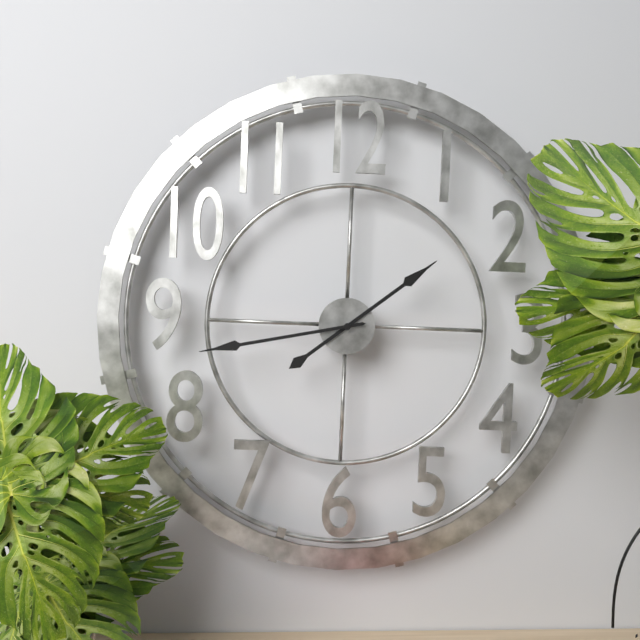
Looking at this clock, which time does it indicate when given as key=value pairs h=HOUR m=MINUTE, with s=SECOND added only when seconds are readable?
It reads h=1 m=43
